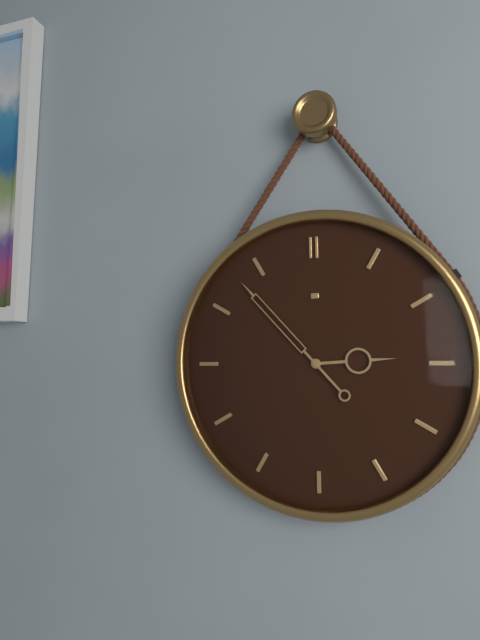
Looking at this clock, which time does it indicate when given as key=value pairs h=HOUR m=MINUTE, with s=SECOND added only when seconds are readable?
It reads h=2 m=53
